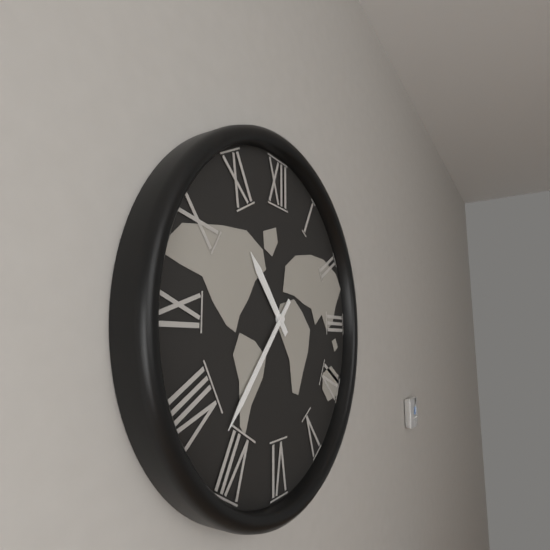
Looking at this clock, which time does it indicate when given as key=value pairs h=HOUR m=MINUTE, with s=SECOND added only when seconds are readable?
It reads h=10 m=37
